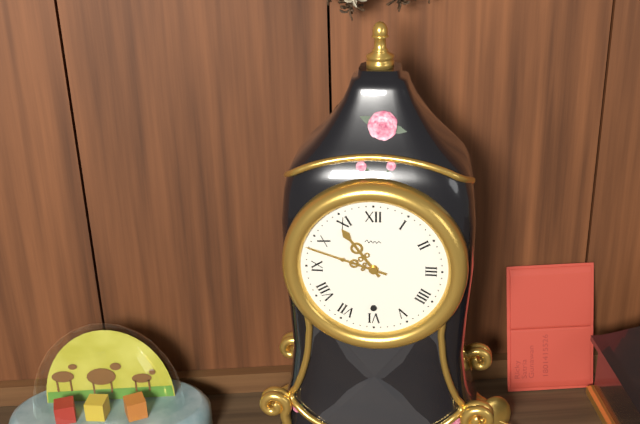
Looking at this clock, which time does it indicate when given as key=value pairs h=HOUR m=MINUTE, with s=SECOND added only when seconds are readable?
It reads h=10 m=48
